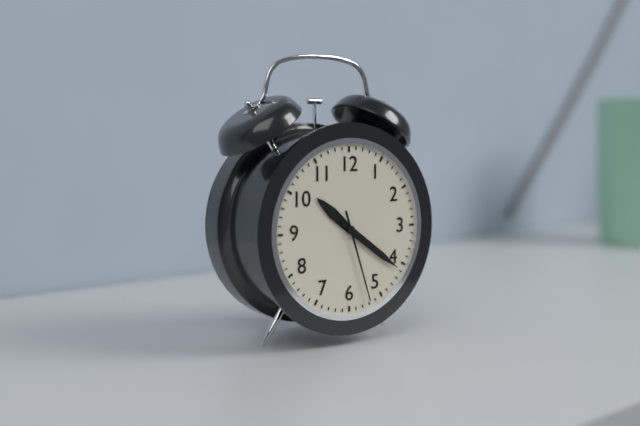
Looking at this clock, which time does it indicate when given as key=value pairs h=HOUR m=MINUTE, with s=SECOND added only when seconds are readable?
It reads h=10 m=21 s=27
